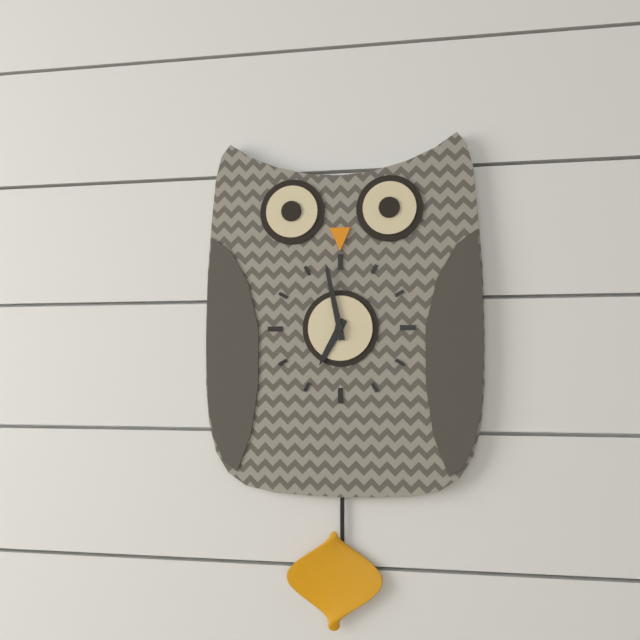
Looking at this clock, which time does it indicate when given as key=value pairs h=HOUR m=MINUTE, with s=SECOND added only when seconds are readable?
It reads h=6 m=58
